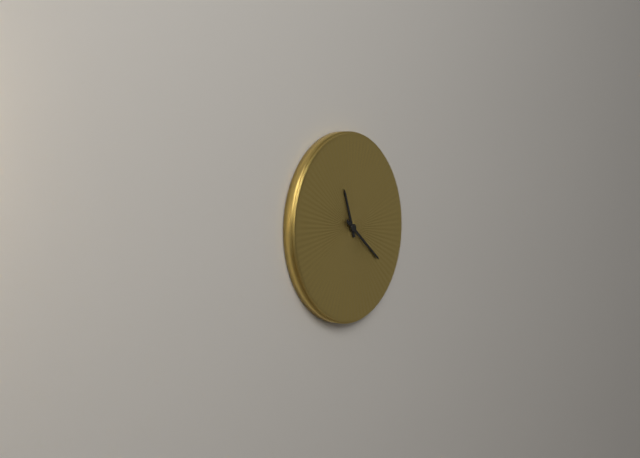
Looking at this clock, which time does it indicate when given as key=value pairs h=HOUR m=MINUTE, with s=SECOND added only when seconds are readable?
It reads h=11 m=21
